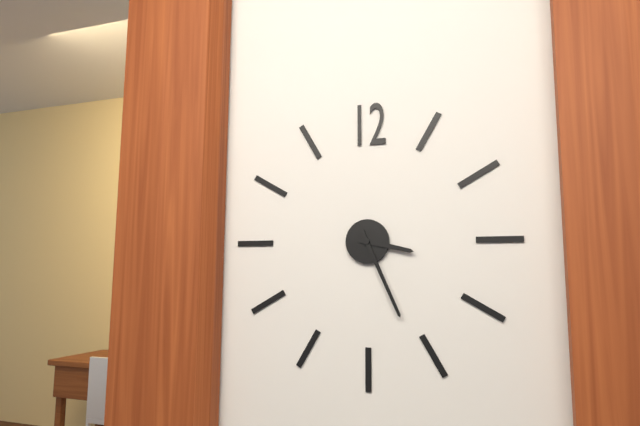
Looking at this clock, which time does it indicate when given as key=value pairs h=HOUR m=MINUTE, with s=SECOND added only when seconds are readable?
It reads h=3 m=26
